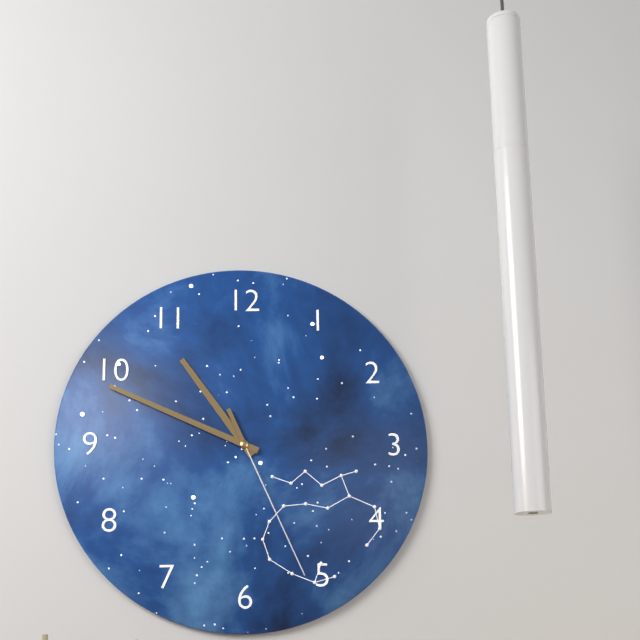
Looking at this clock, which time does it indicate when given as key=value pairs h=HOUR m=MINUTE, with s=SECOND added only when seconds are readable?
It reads h=10 m=49 s=26
